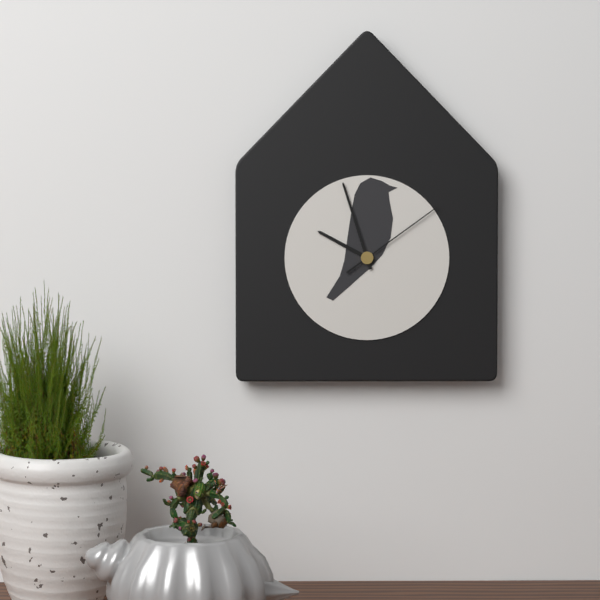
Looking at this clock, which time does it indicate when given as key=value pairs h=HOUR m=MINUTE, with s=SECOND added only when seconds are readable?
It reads h=9 m=57 s=9
